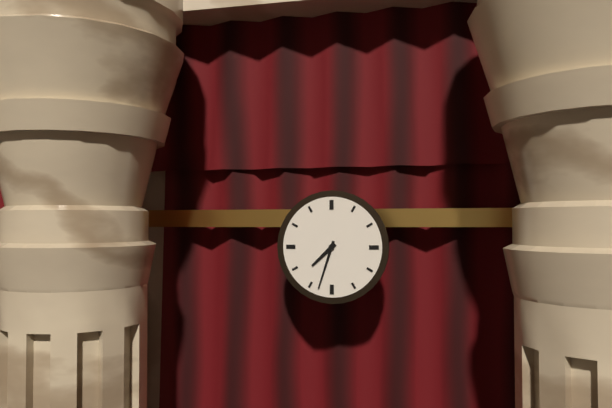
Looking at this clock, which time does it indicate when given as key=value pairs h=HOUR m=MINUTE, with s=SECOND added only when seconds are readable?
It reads h=7 m=33
